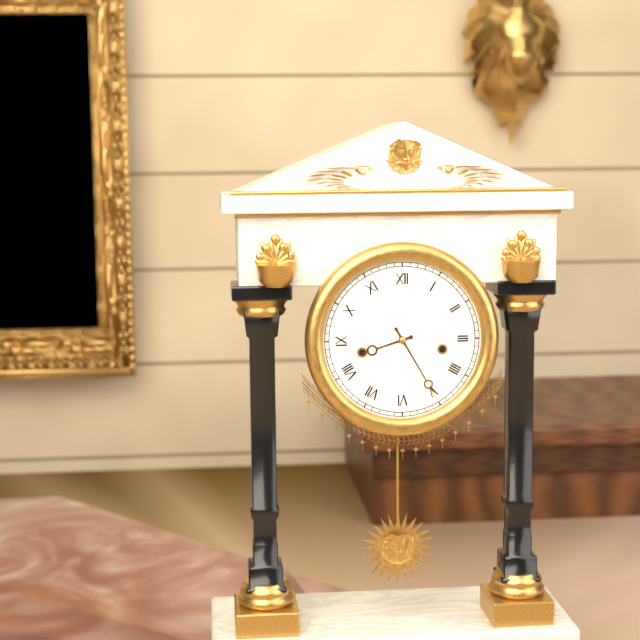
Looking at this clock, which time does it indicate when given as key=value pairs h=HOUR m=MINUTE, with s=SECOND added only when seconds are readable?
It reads h=8 m=25
